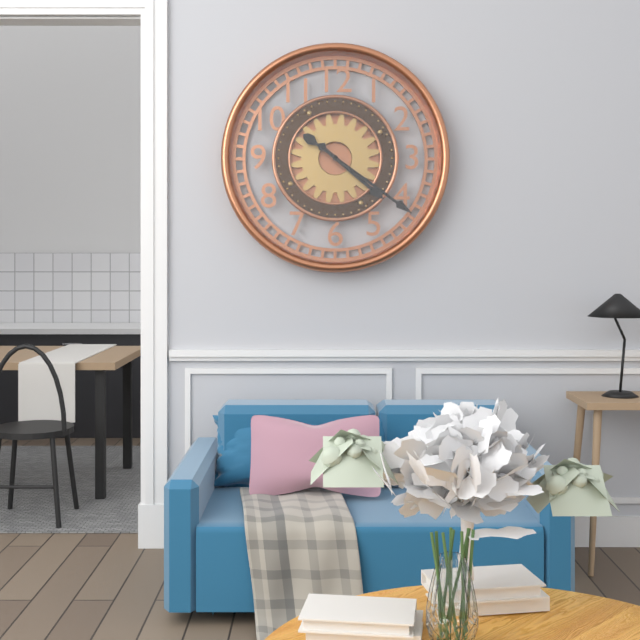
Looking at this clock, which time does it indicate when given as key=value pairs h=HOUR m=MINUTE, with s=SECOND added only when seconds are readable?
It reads h=4 m=21
